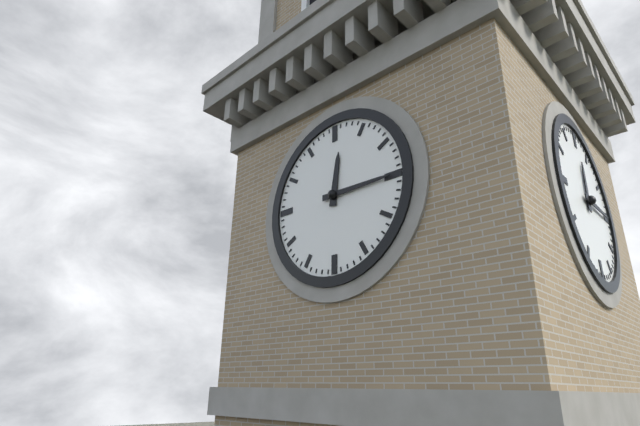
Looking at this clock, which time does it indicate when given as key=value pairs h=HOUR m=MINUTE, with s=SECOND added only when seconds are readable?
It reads h=12 m=15
